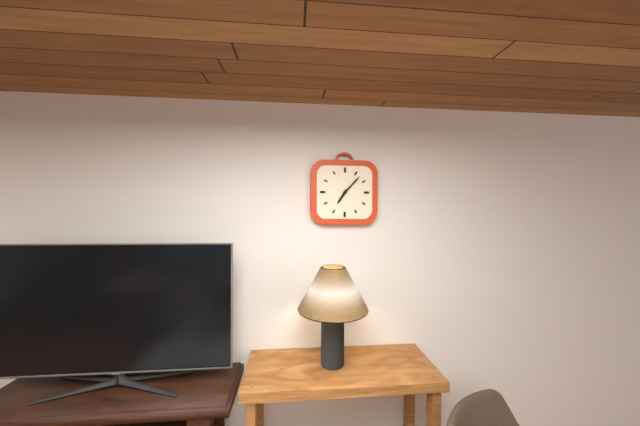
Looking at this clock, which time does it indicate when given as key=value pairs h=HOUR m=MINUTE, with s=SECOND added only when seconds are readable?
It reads h=7 m=7
